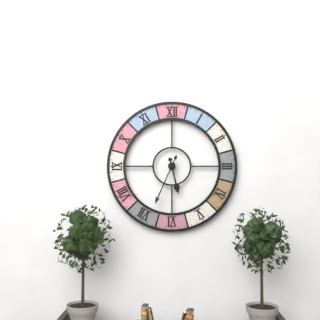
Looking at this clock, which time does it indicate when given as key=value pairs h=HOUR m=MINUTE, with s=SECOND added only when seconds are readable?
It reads h=5 m=34
